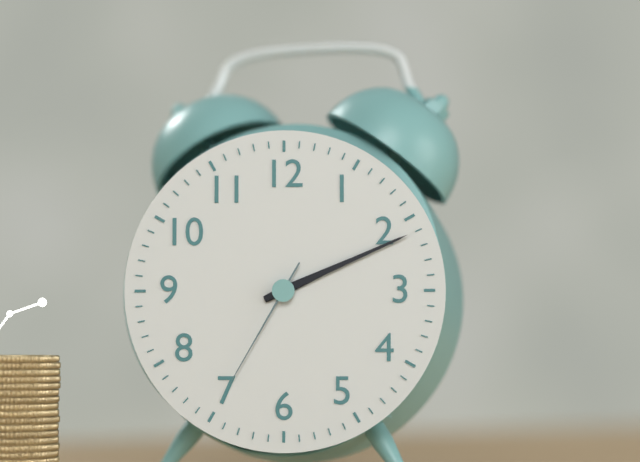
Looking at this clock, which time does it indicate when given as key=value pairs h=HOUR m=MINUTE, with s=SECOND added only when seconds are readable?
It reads h=2 m=11 s=35
